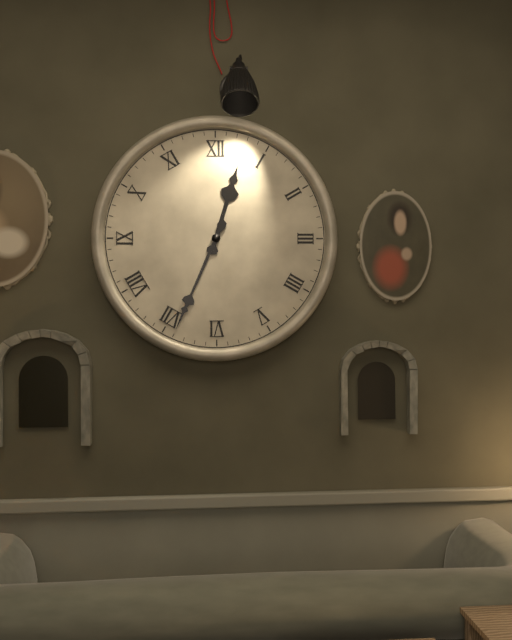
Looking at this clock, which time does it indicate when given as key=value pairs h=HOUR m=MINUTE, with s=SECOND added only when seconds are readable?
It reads h=12 m=34
